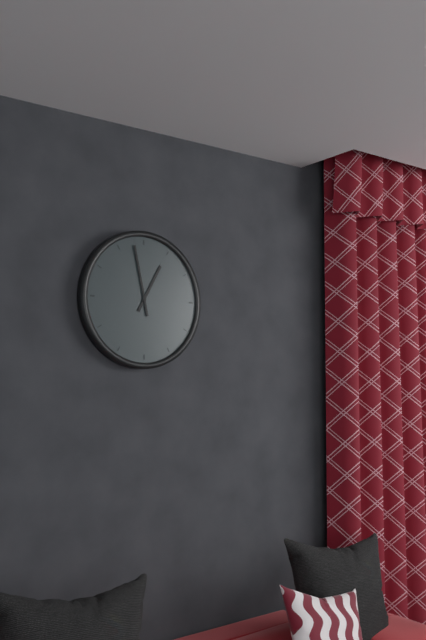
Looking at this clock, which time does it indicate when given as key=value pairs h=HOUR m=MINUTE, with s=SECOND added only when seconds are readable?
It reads h=12 m=58
